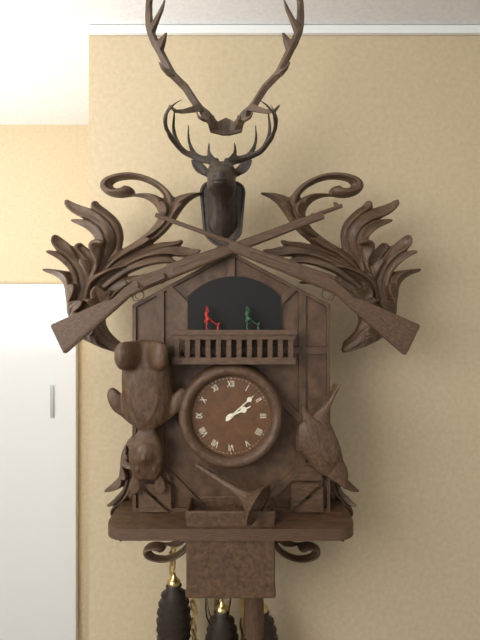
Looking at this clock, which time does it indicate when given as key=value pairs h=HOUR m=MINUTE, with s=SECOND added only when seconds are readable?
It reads h=2 m=8
